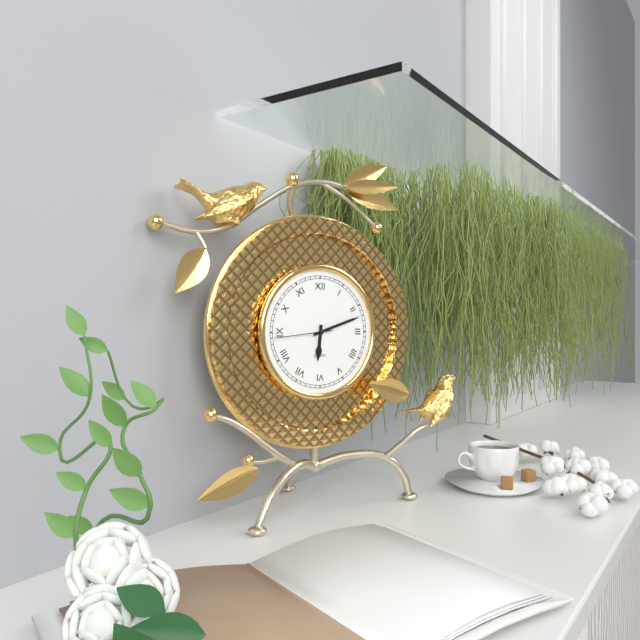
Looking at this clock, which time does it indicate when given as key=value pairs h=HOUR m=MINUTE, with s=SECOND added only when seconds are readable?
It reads h=6 m=12 s=44
